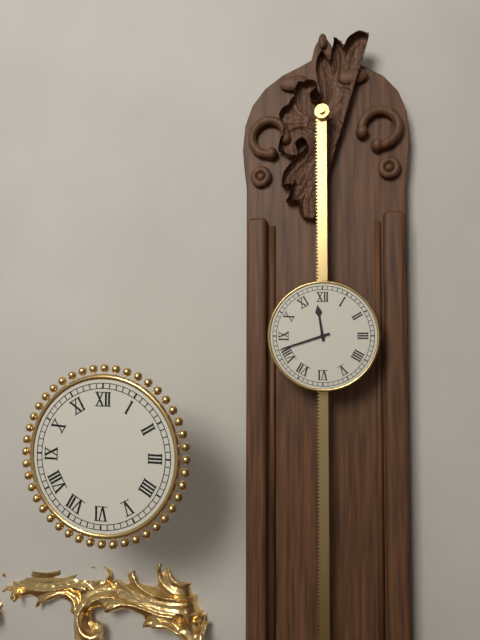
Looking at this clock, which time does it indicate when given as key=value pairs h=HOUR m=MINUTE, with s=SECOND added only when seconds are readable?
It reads h=11 m=42
